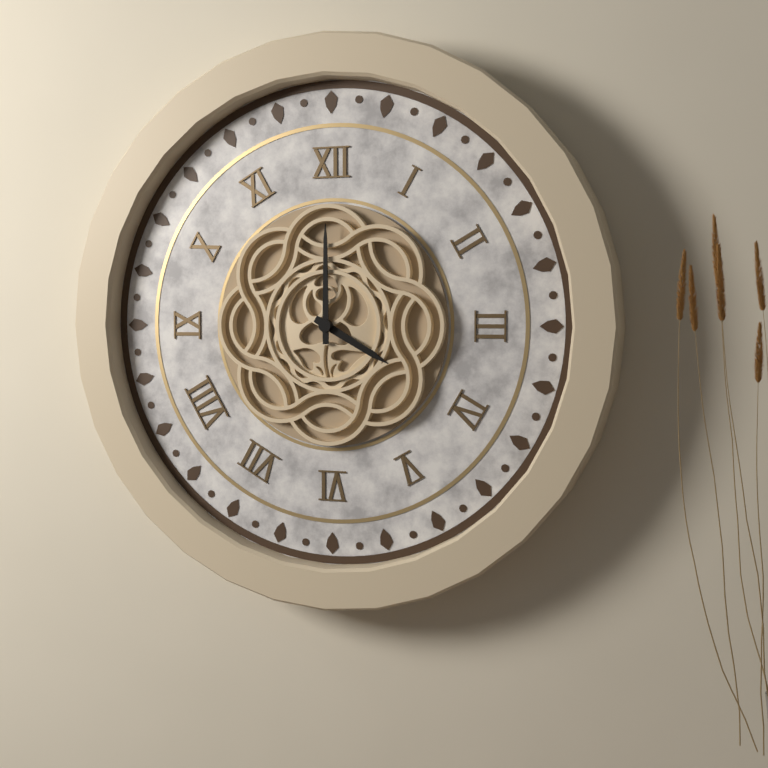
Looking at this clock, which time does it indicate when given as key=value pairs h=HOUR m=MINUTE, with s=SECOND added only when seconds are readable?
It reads h=4 m=0
